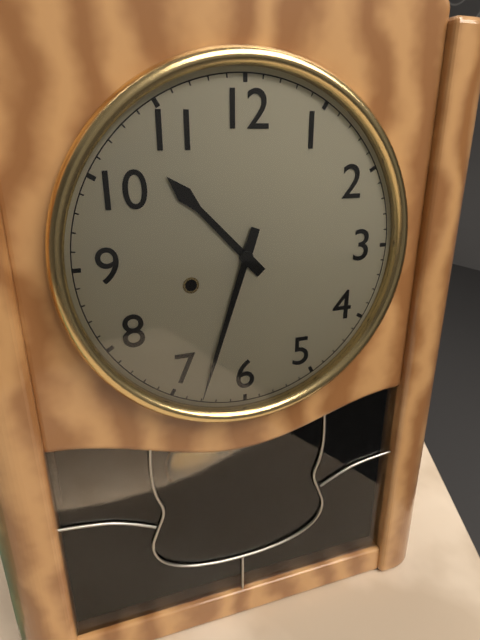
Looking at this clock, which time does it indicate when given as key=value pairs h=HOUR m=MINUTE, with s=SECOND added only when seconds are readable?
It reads h=10 m=33
